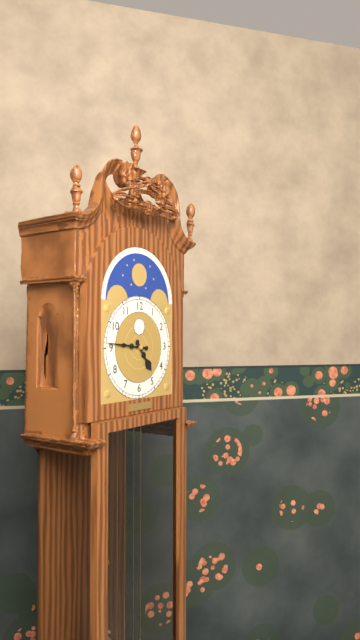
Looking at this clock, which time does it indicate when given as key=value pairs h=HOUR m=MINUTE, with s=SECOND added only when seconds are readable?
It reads h=4 m=46
